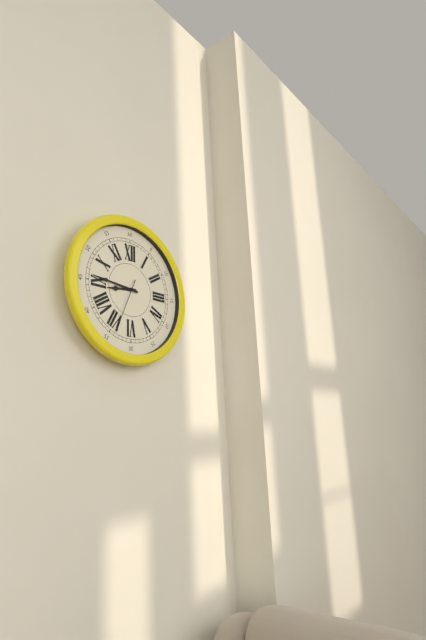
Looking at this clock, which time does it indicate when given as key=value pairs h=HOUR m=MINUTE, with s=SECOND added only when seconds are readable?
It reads h=8 m=46 s=34
